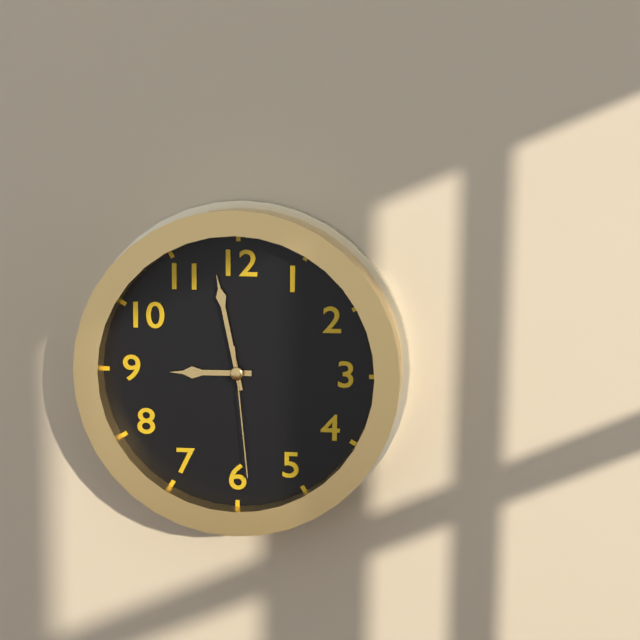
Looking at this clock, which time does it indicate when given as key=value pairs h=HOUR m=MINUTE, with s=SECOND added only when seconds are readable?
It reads h=8 m=58 s=29
